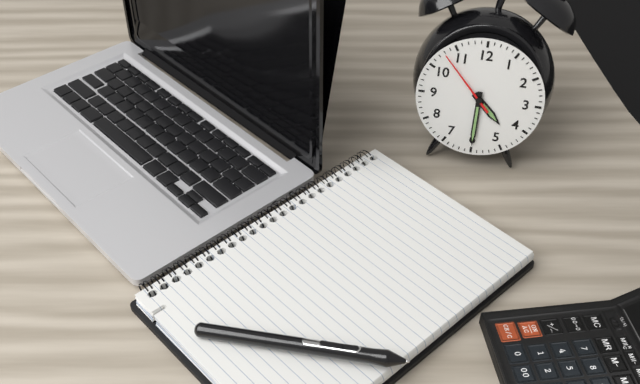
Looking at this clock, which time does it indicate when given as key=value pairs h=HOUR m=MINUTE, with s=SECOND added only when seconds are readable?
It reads h=4 m=30 s=53
